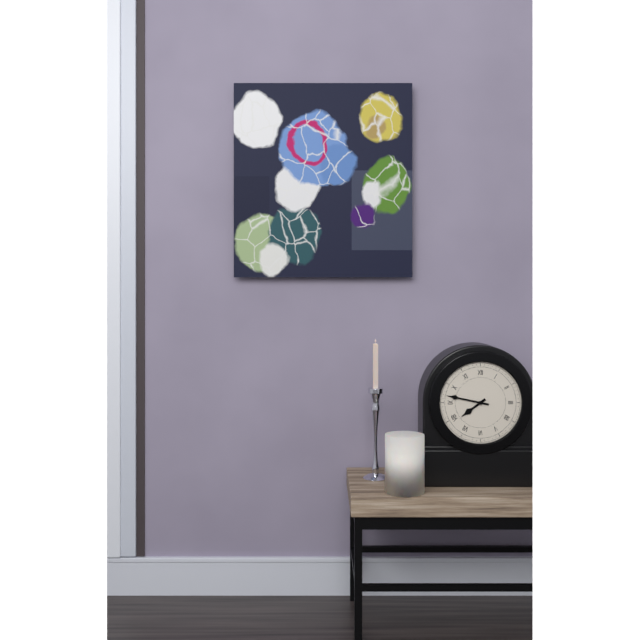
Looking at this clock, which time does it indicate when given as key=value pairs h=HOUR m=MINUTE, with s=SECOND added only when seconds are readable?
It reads h=7 m=47
